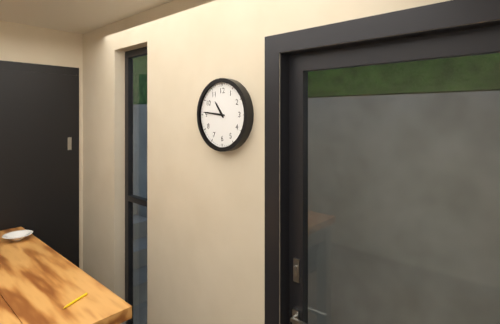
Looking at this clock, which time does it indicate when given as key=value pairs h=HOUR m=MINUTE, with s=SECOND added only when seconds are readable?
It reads h=10 m=46
